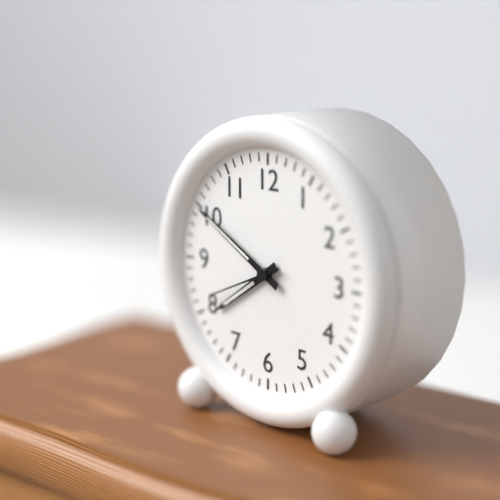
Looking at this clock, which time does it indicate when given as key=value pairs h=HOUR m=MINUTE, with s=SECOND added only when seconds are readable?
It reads h=7 m=50 s=41
